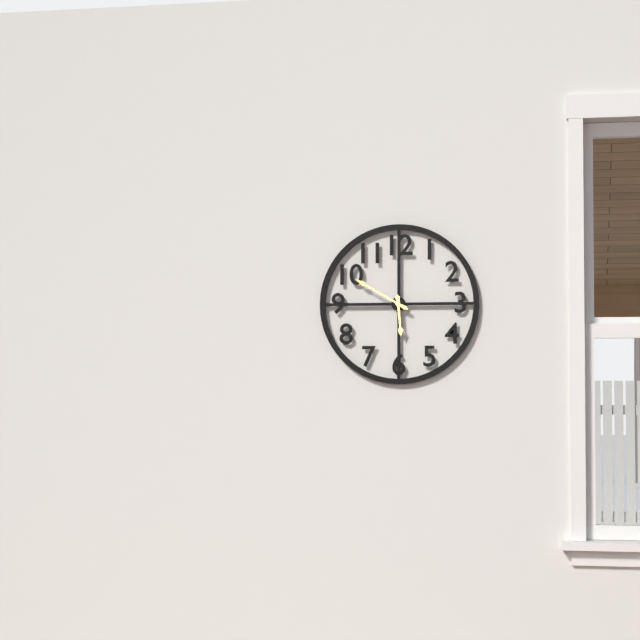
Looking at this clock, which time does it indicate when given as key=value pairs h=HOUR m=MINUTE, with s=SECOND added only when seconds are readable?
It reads h=5 m=50
